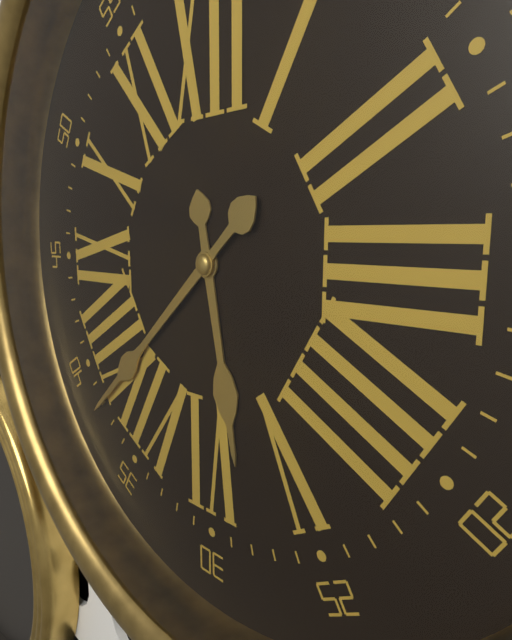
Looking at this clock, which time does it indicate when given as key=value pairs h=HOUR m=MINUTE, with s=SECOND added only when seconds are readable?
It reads h=5 m=38
